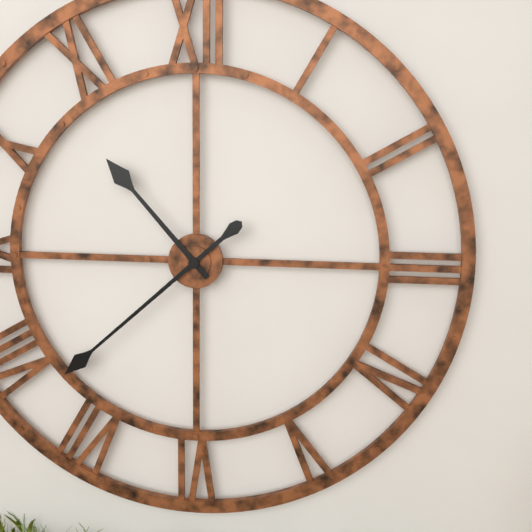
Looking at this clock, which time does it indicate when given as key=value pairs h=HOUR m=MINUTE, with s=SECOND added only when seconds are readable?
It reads h=10 m=38
